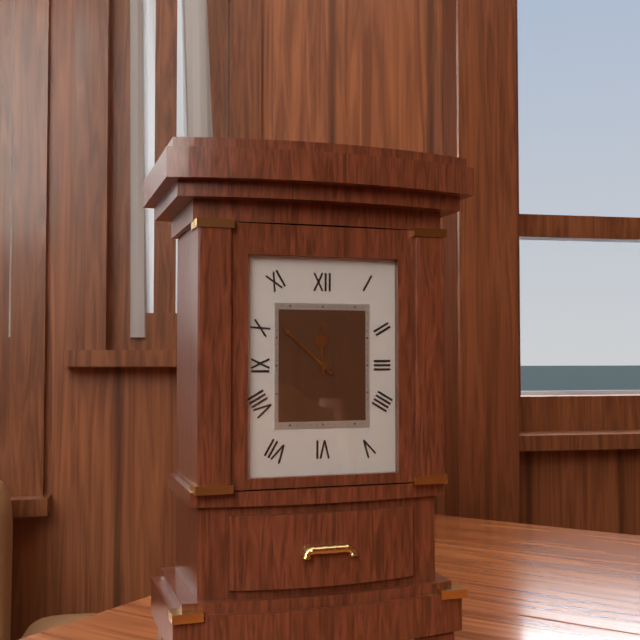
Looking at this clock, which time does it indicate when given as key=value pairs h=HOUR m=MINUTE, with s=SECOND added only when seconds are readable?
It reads h=11 m=52
